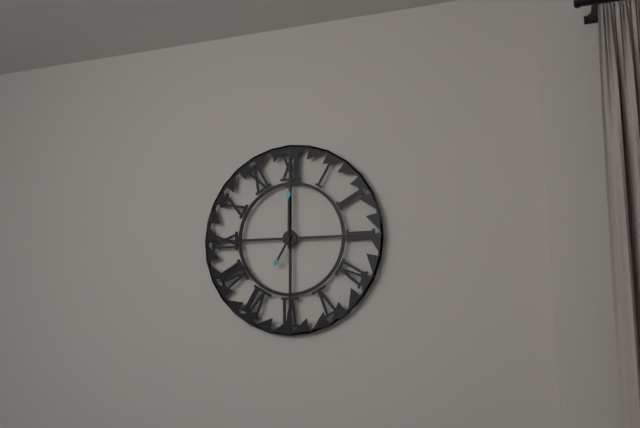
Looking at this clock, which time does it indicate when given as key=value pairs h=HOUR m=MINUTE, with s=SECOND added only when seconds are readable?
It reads h=7 m=0
